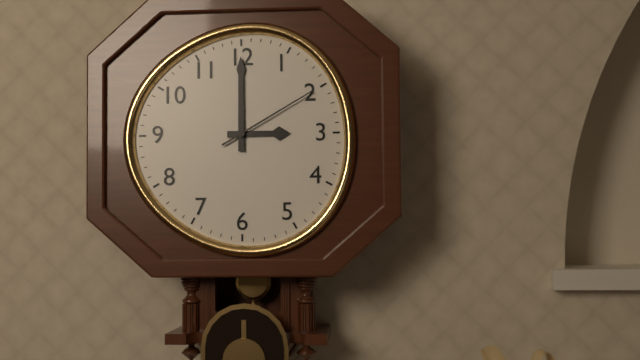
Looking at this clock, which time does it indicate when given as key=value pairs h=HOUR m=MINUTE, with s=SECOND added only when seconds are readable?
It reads h=3 m=0 s=10
